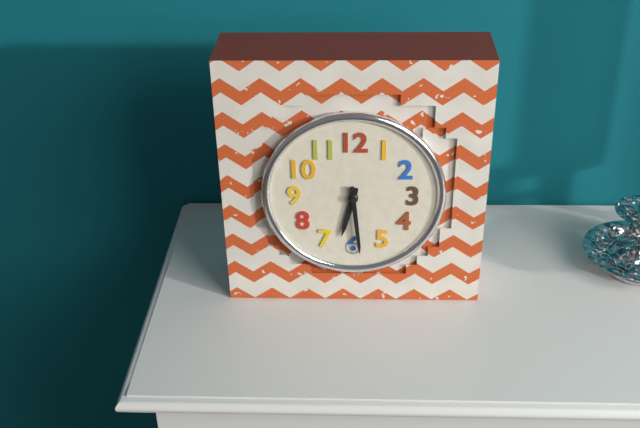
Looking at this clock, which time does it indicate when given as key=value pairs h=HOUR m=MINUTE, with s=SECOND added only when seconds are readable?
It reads h=6 m=29
